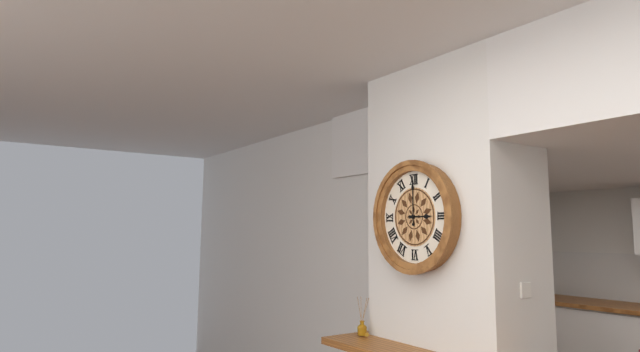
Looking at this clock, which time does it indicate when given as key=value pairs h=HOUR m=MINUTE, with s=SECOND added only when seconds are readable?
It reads h=3 m=0
